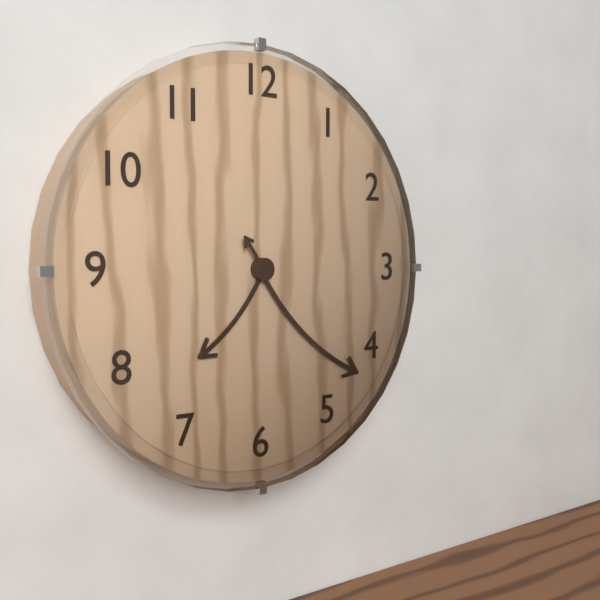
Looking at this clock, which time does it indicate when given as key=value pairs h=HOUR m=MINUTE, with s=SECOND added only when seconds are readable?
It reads h=7 m=22
